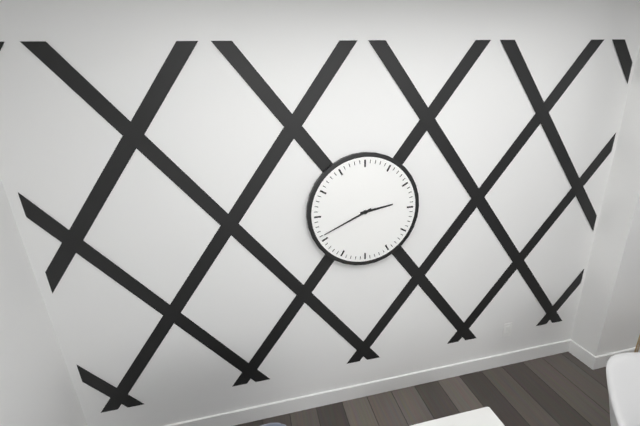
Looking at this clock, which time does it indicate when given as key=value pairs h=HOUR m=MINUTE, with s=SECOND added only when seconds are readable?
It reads h=2 m=41
